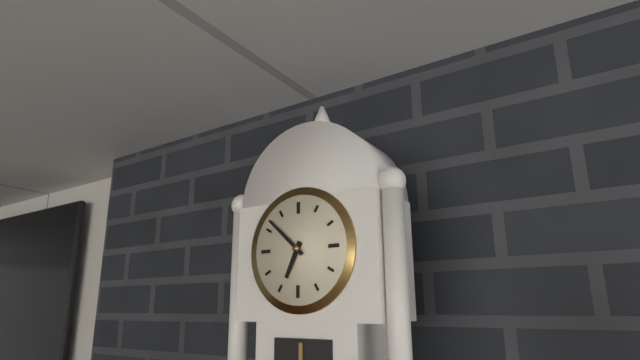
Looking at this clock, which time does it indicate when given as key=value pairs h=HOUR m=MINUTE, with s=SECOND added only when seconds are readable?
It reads h=6 m=52
